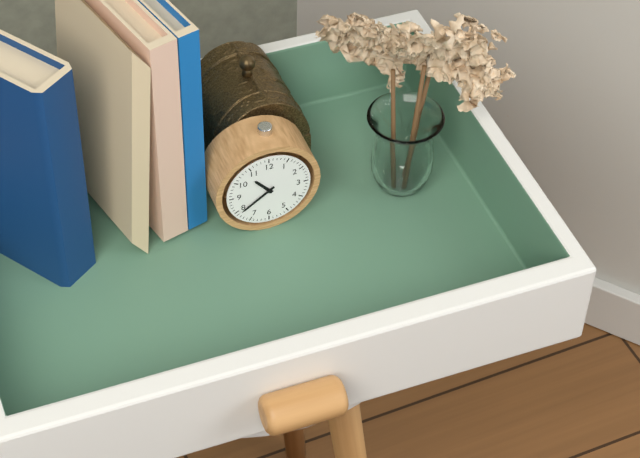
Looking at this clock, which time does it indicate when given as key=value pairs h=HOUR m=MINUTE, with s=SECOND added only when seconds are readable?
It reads h=10 m=39
